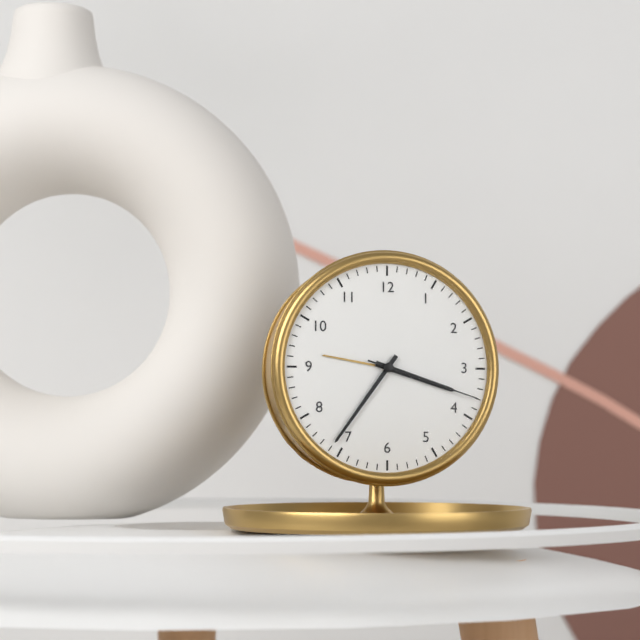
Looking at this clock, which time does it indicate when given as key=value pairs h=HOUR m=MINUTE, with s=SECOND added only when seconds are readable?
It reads h=3 m=36 s=18
